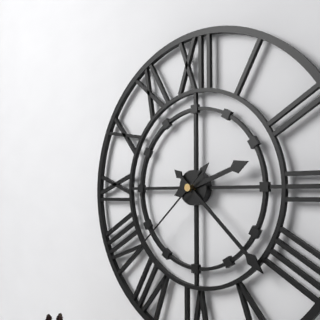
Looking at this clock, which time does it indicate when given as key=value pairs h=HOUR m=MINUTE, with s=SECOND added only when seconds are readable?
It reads h=2 m=22 s=38
